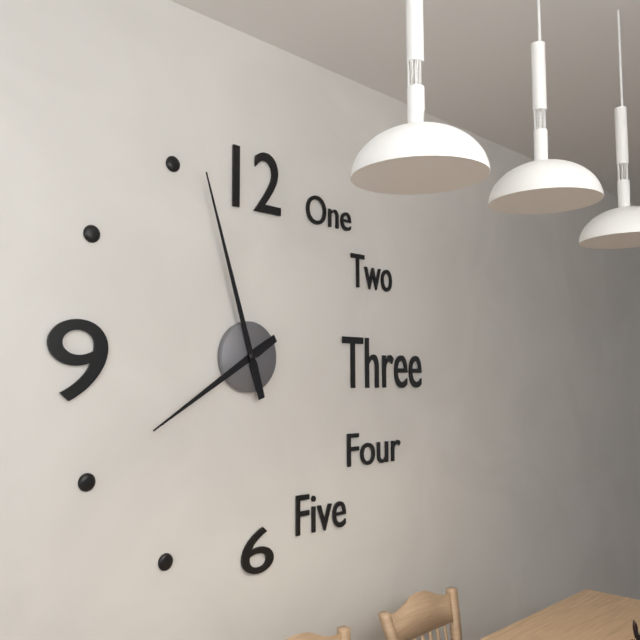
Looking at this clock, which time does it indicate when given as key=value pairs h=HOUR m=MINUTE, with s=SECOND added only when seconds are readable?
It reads h=7 m=57
